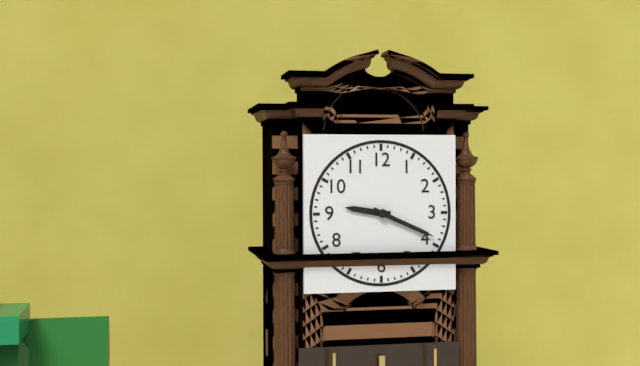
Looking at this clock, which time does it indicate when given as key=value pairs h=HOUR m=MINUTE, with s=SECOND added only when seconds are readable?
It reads h=9 m=19
